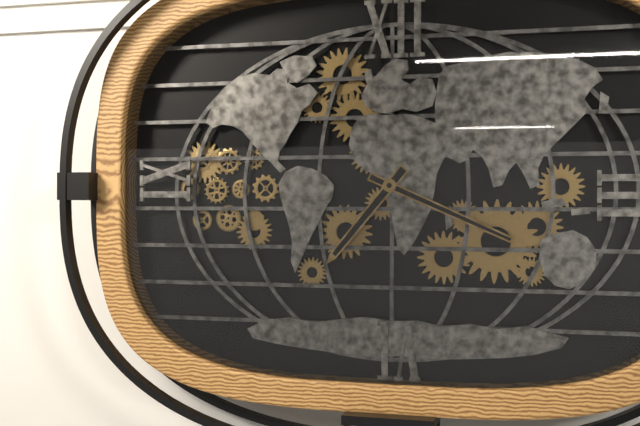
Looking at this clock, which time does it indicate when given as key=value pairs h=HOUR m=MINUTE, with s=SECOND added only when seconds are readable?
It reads h=7 m=19
